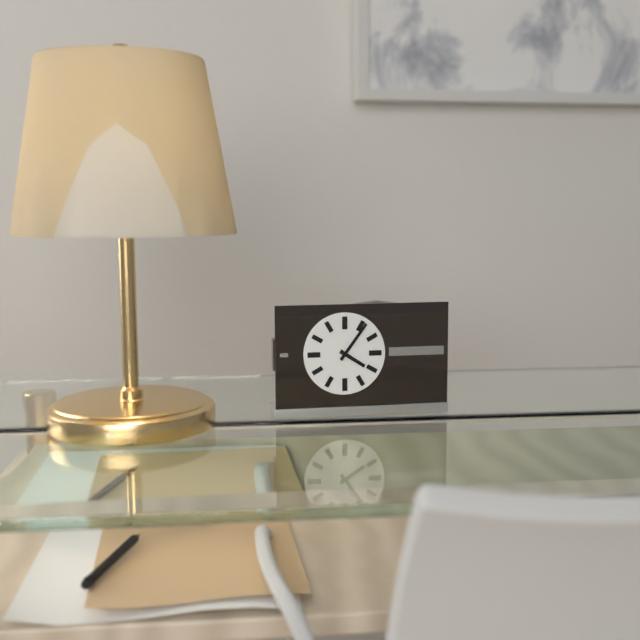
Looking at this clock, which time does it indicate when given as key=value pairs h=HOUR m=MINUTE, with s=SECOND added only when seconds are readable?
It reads h=4 m=6
